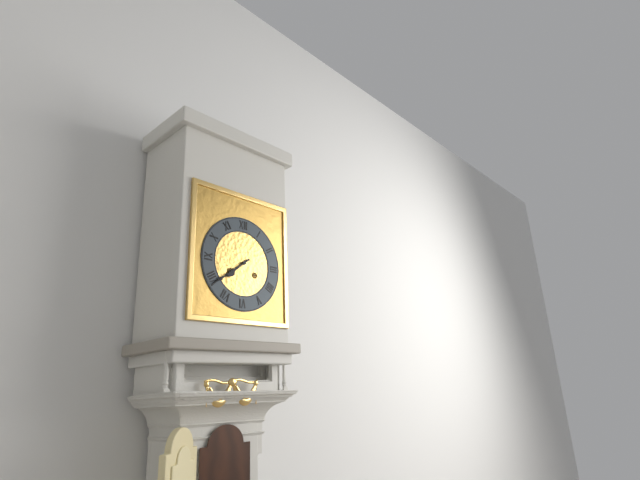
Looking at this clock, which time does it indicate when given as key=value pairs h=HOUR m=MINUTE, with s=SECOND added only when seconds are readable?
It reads h=7 m=39
